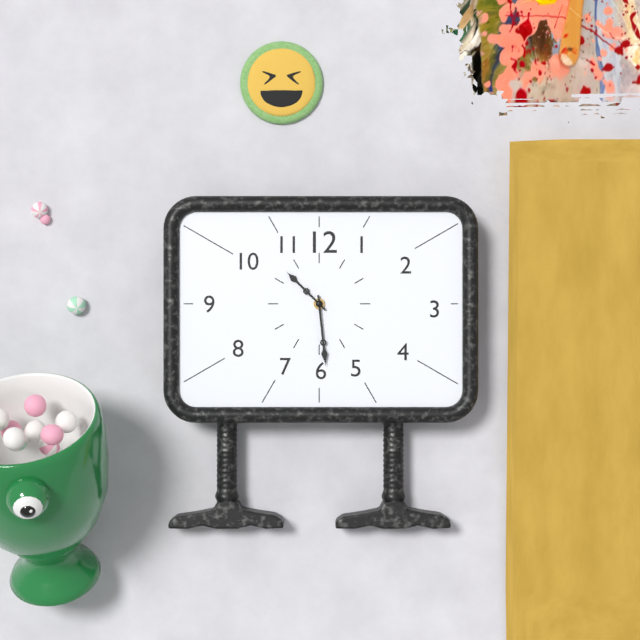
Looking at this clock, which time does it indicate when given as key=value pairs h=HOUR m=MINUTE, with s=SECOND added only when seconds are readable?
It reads h=10 m=29
